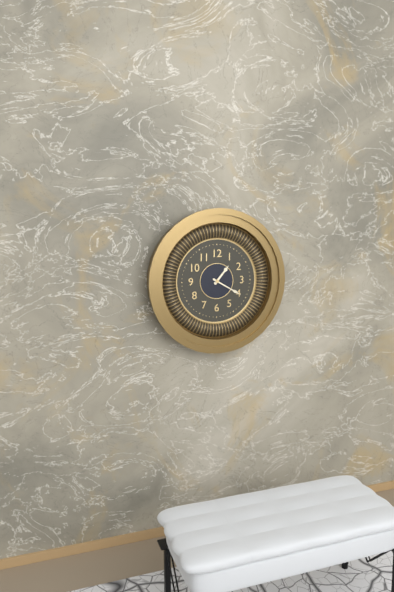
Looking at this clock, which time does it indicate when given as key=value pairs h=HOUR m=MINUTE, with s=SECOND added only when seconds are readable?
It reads h=1 m=20
